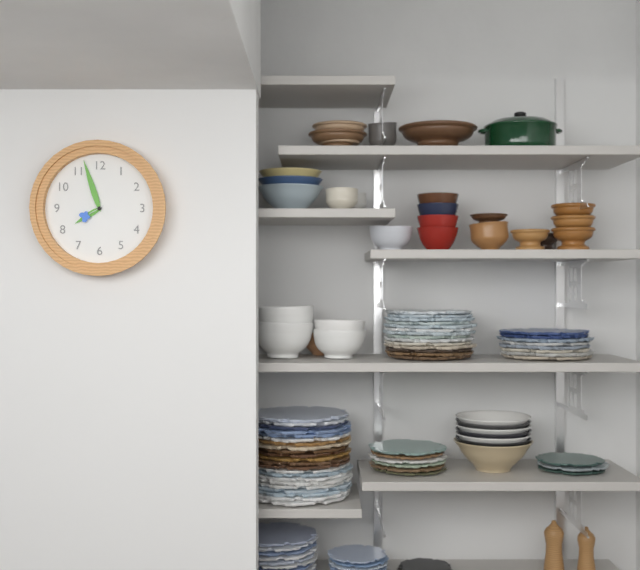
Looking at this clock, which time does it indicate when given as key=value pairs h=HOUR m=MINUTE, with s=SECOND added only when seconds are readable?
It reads h=7 m=57
